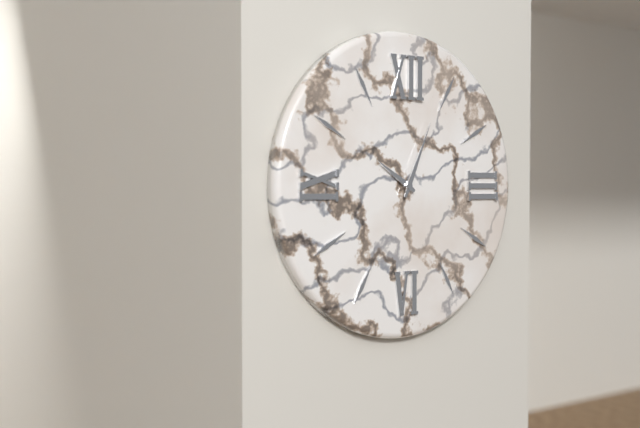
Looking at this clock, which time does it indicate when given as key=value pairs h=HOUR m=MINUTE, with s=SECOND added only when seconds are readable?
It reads h=10 m=4
